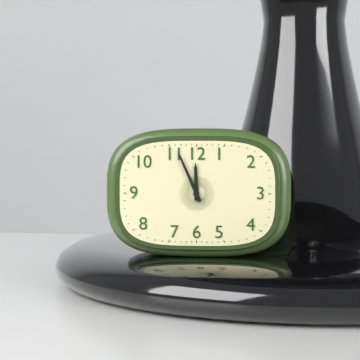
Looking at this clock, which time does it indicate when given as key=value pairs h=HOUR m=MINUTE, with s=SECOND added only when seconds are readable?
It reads h=11 m=56
